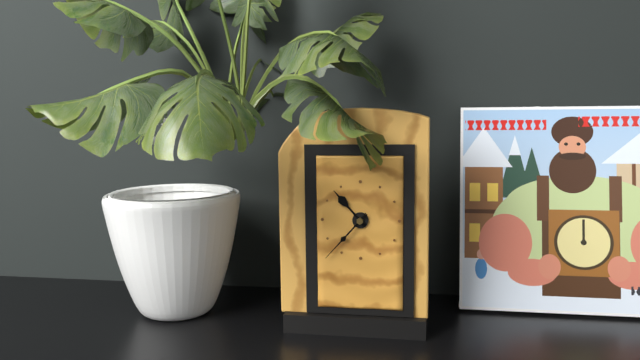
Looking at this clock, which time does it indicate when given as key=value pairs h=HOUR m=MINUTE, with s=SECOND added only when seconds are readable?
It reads h=10 m=37
